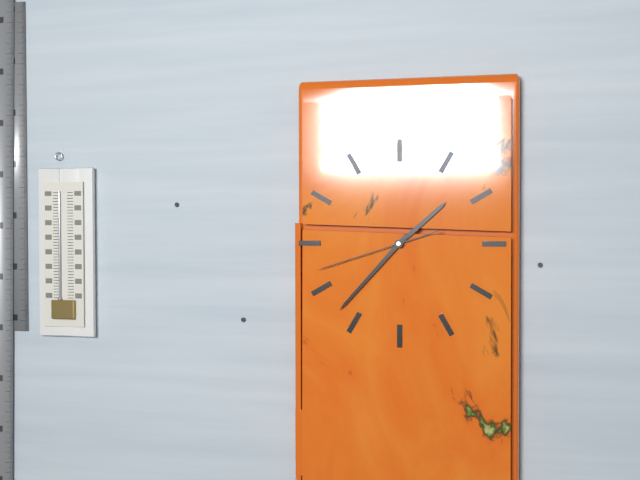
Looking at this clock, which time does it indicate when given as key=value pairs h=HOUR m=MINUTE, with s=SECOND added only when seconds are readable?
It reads h=1 m=37 s=42
